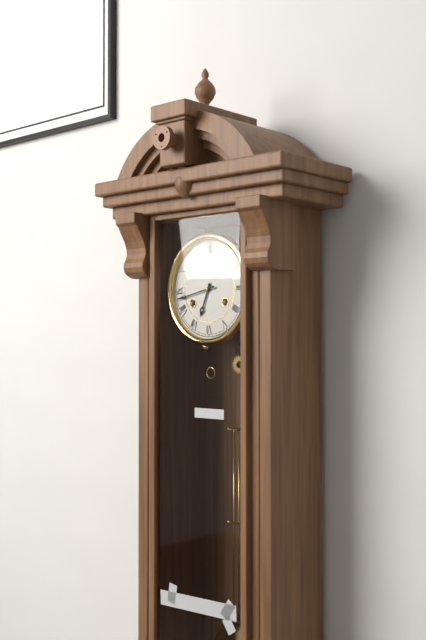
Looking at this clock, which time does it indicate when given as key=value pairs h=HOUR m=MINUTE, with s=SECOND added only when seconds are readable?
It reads h=6 m=43
